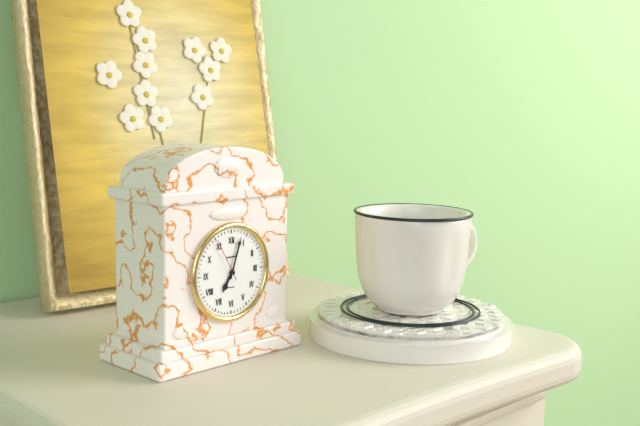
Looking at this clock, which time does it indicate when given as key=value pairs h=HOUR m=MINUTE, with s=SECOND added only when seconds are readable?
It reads h=7 m=3
